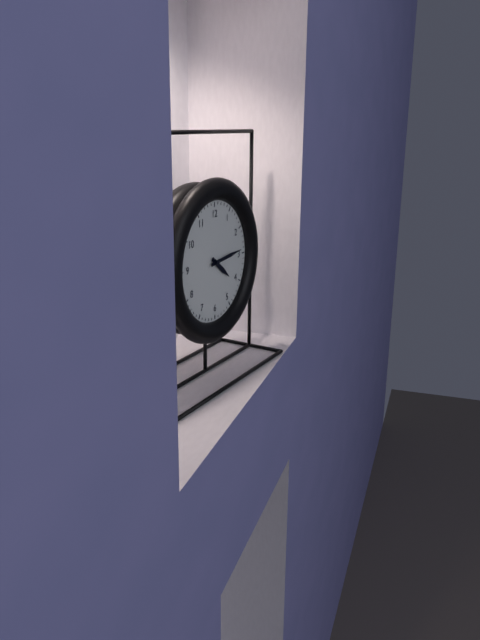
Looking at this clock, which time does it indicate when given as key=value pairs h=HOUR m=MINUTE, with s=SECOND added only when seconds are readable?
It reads h=4 m=14
